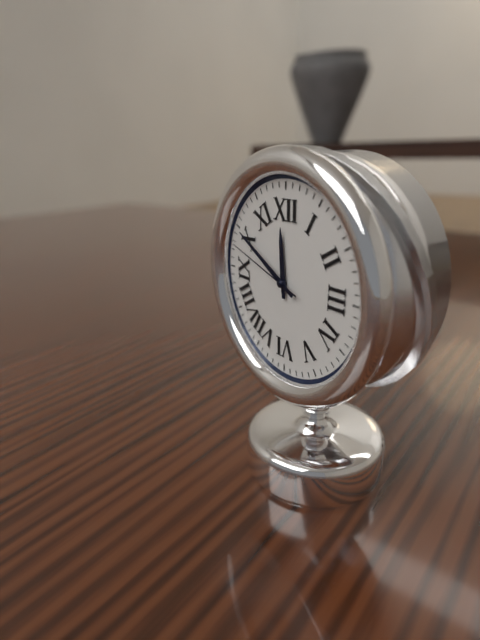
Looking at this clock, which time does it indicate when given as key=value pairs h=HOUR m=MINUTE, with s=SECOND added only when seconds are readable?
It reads h=11 m=50 s=48
